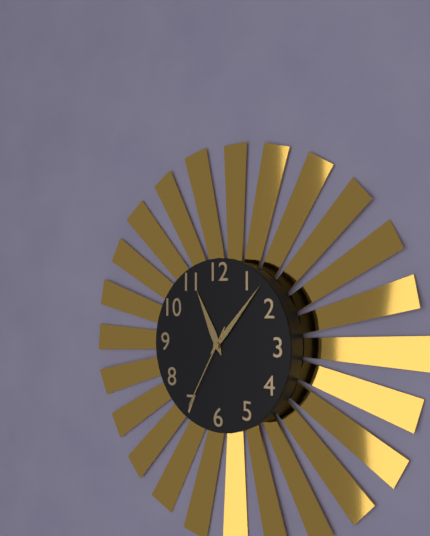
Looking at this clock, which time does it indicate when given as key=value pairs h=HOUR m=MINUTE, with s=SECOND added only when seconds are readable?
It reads h=11 m=7 s=35
